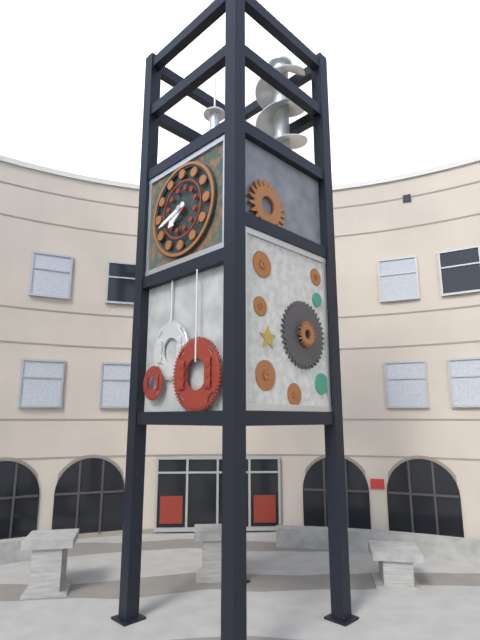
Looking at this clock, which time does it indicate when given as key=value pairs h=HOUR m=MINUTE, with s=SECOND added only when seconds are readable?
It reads h=7 m=42
